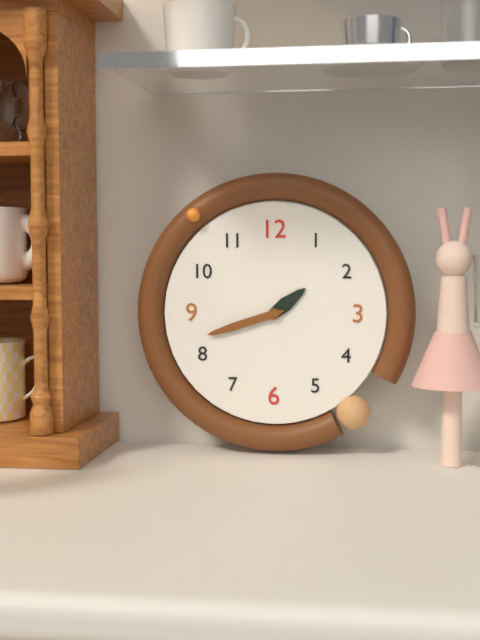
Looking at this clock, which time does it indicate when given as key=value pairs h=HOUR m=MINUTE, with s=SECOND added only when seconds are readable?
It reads h=1 m=42
